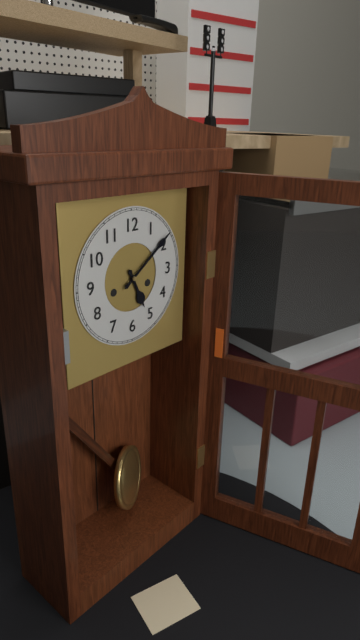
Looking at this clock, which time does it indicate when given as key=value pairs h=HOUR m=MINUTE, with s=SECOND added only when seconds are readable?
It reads h=5 m=9
